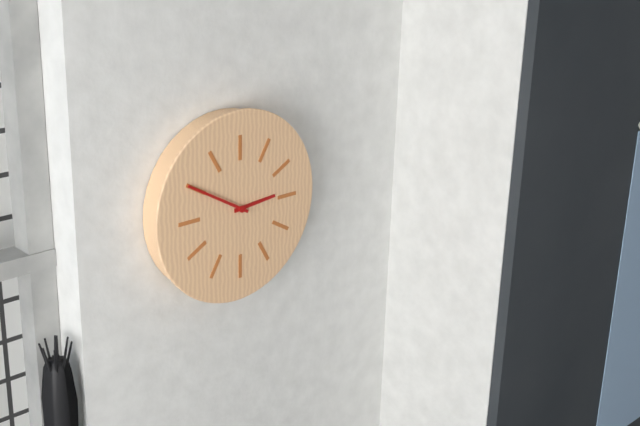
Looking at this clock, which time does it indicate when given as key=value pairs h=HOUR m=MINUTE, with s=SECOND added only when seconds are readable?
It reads h=2 m=50
